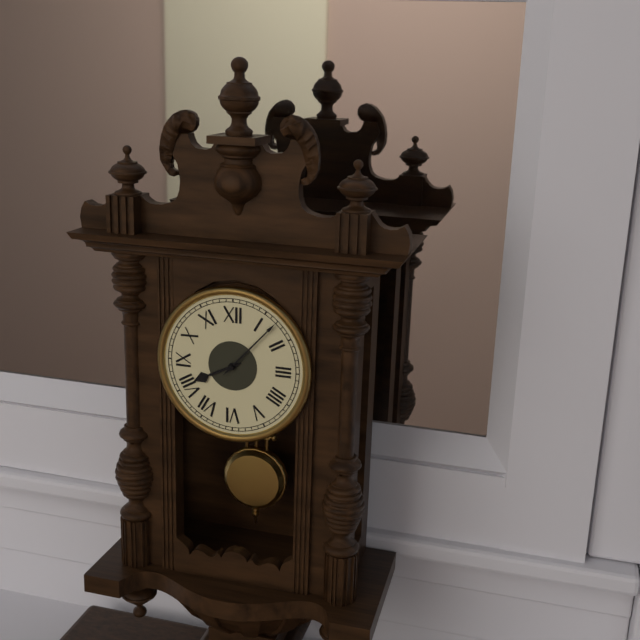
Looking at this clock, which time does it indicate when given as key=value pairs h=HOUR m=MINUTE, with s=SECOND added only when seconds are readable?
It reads h=8 m=7
